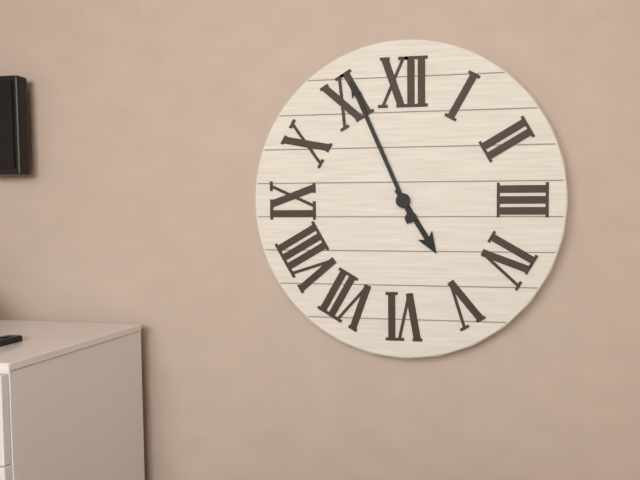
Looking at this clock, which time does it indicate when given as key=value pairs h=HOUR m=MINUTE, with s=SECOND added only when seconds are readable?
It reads h=4 m=56
